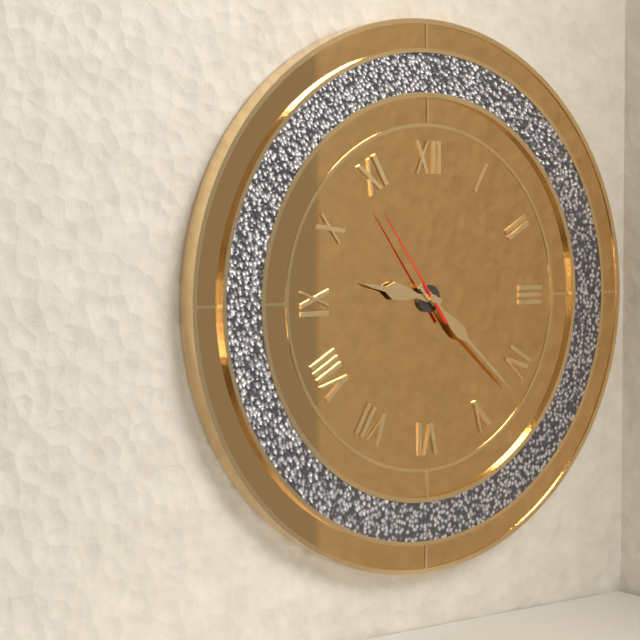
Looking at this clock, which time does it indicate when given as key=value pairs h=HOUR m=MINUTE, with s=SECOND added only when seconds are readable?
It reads h=9 m=22 s=54
